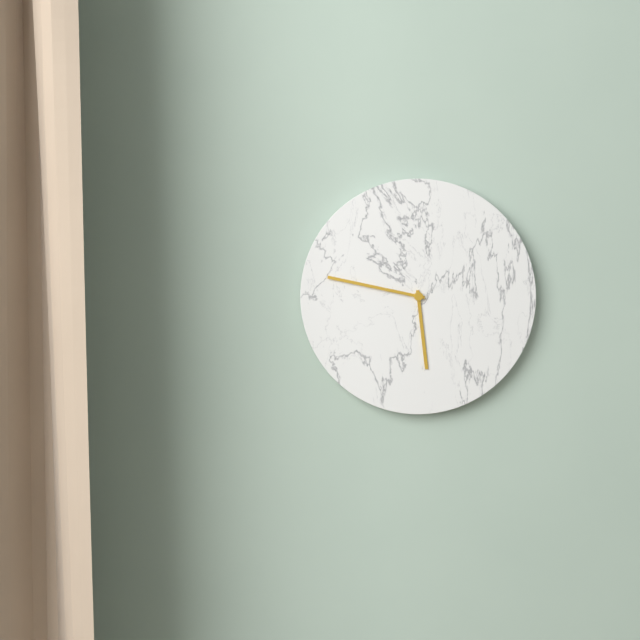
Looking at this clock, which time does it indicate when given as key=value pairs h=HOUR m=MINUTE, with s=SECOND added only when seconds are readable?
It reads h=5 m=47
